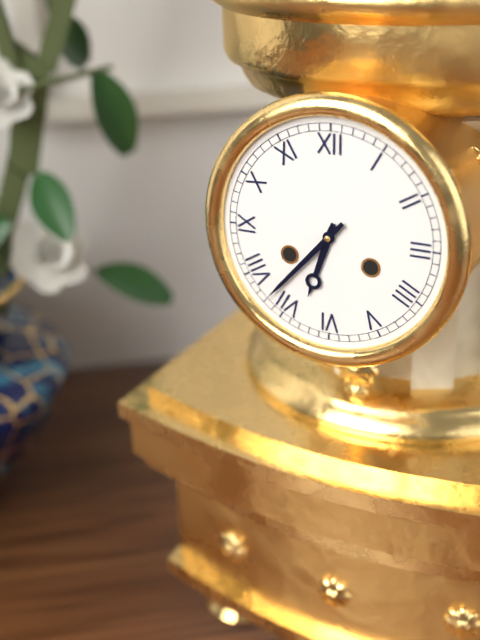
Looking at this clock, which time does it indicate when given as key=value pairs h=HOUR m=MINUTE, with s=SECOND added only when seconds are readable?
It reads h=6 m=37
